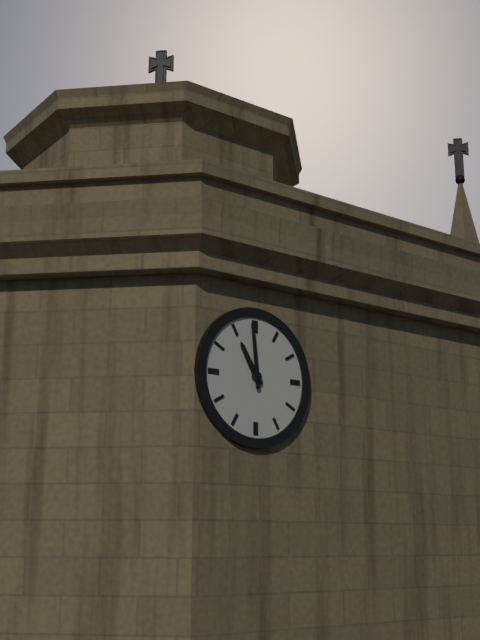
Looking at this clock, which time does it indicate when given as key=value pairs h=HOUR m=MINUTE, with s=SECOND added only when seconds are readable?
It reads h=10 m=59
